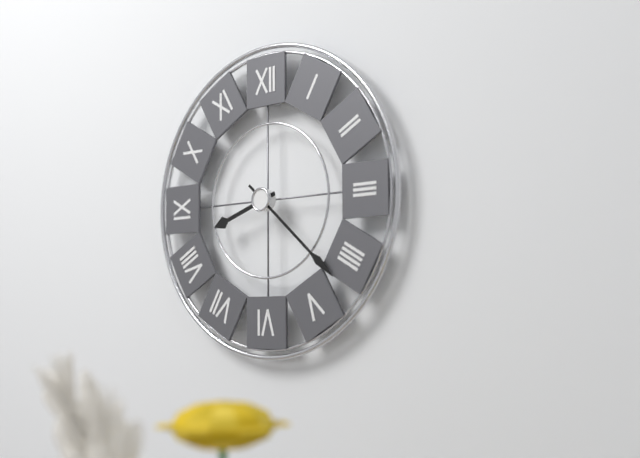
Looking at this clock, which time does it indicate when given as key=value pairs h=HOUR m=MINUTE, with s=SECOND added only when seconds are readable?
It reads h=8 m=22
